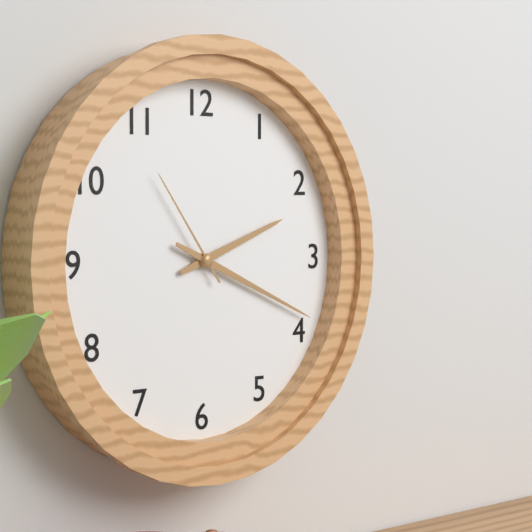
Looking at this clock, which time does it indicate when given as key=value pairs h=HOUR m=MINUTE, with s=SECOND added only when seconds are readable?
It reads h=2 m=19 s=54
